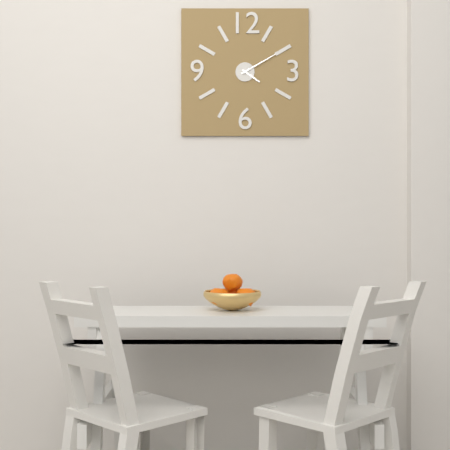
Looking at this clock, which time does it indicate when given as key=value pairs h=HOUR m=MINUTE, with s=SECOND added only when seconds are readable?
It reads h=4 m=10
